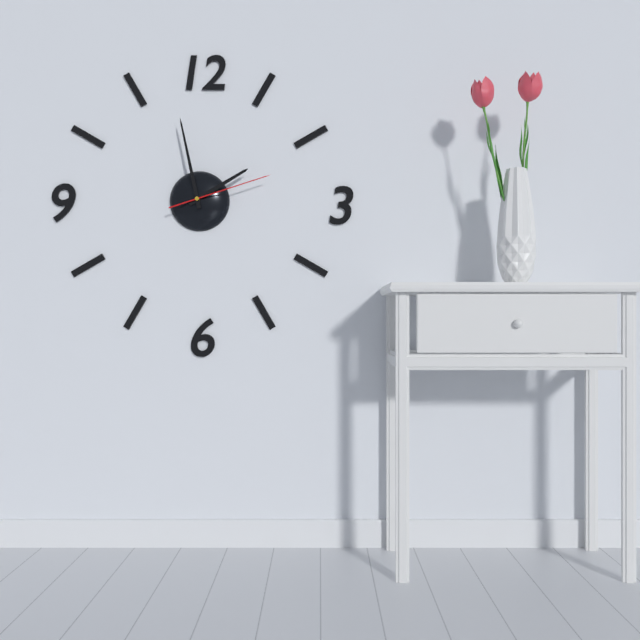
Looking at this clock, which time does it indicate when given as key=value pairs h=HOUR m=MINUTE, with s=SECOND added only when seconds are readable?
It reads h=1 m=58 s=12
